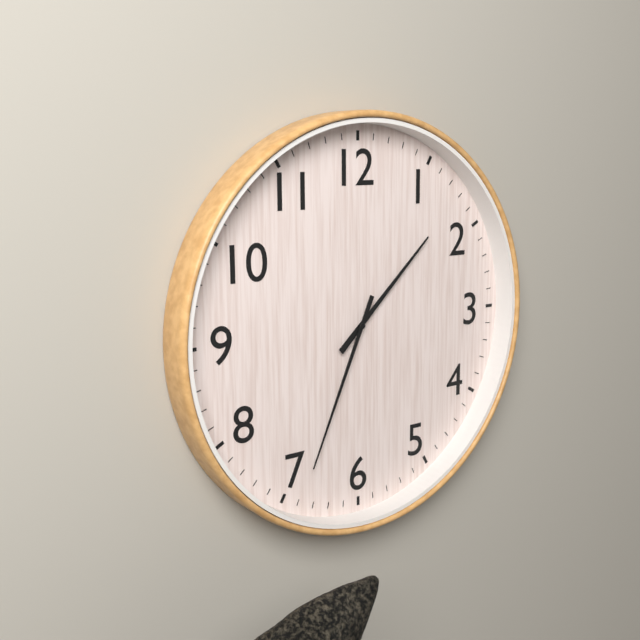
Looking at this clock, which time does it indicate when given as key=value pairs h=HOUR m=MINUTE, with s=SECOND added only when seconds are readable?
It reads h=1 m=34
